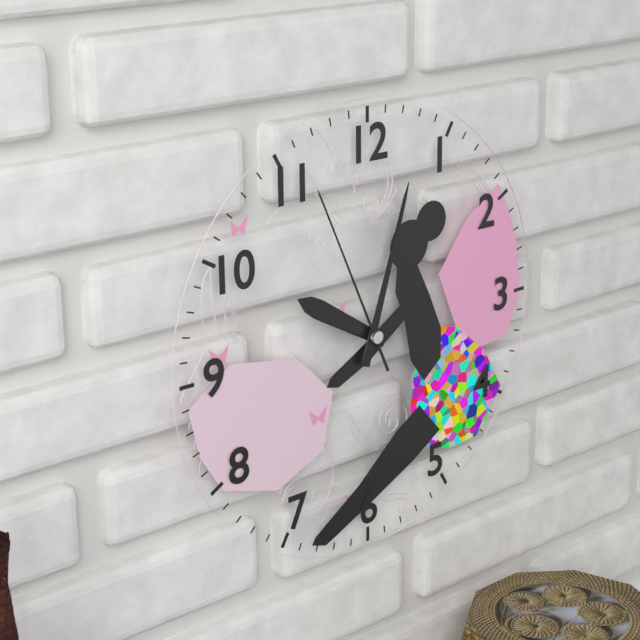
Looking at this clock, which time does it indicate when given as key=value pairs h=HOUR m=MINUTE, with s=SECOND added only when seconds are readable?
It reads h=10 m=3 s=56
